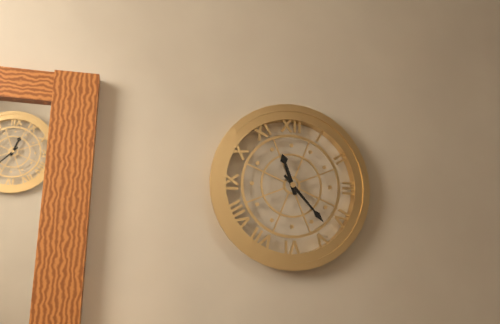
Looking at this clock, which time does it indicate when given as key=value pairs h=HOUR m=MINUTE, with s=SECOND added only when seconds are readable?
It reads h=11 m=23
